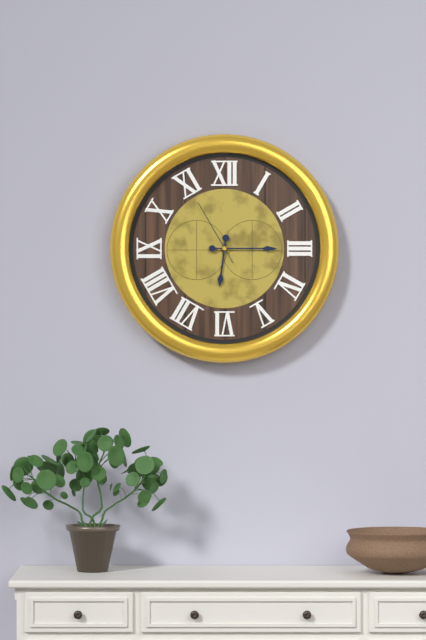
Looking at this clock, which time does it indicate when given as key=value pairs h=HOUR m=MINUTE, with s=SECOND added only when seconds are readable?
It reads h=6 m=15 s=55
